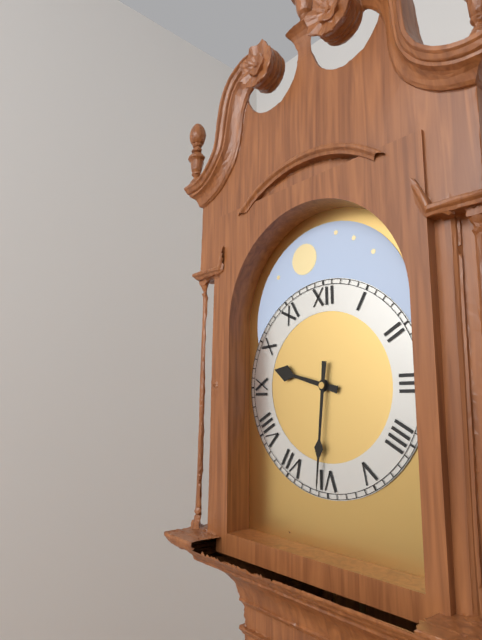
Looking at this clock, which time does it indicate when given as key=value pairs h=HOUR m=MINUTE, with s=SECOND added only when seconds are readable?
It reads h=9 m=31
